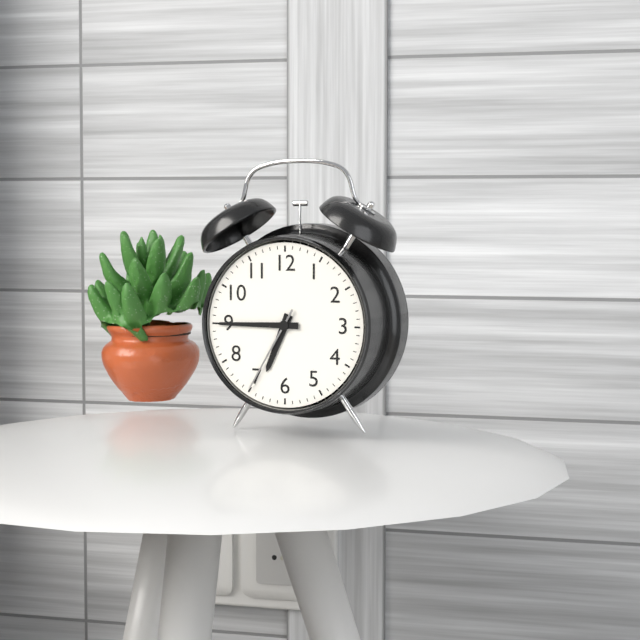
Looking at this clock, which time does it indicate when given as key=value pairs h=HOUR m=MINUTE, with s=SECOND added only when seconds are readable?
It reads h=6 m=45 s=35
